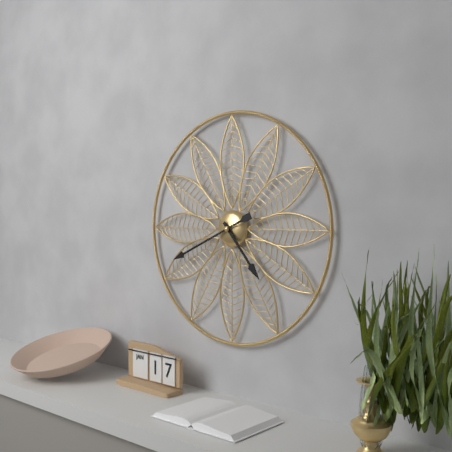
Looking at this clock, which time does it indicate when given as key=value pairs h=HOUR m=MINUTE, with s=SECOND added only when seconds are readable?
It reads h=4 m=41
